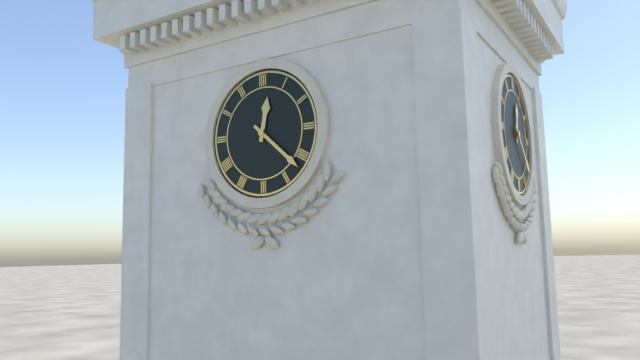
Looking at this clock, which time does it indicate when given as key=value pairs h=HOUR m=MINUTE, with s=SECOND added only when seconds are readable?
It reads h=12 m=22
